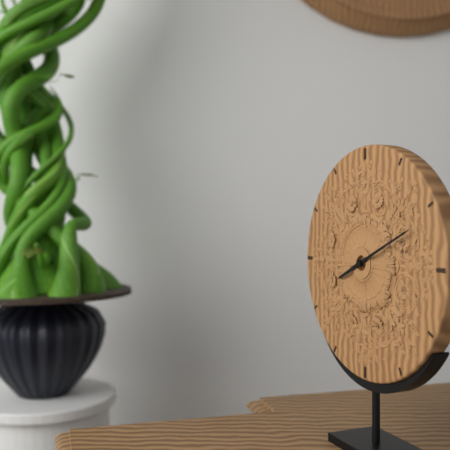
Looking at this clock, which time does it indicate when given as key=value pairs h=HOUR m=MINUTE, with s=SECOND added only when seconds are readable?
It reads h=8 m=11
